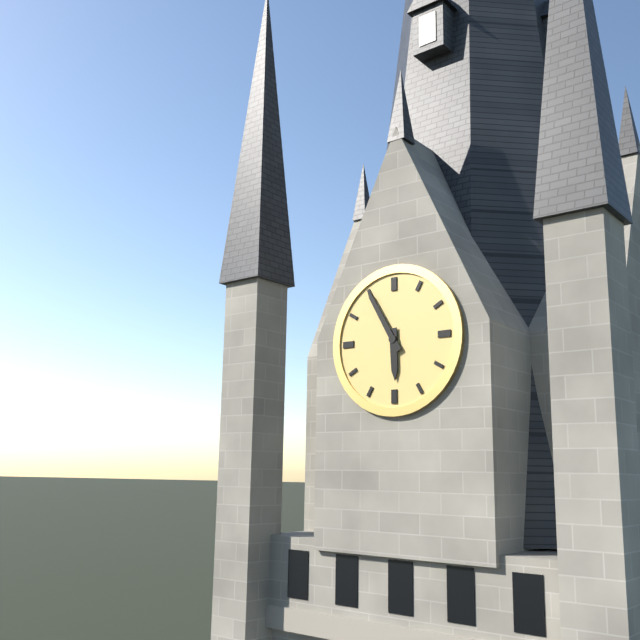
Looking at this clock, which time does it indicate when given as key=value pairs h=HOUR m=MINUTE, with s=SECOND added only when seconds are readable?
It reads h=5 m=55
